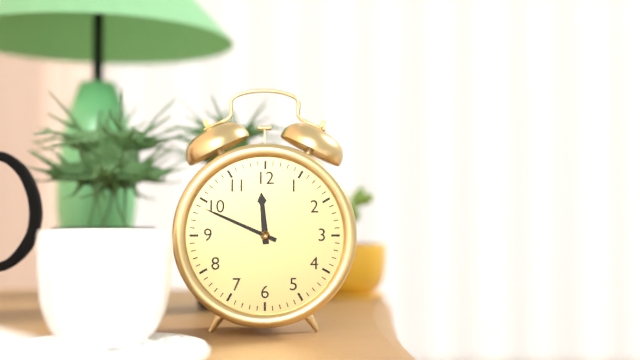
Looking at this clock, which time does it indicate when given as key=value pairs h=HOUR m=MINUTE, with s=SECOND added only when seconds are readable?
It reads h=11 m=49
